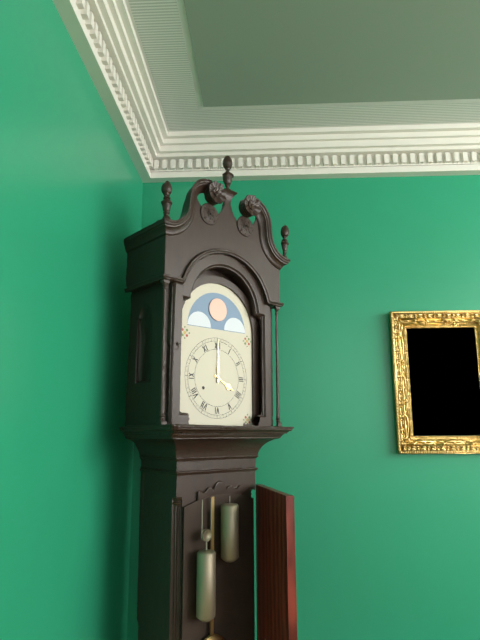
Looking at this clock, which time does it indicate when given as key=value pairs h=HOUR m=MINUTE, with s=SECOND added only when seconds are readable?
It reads h=4 m=0
